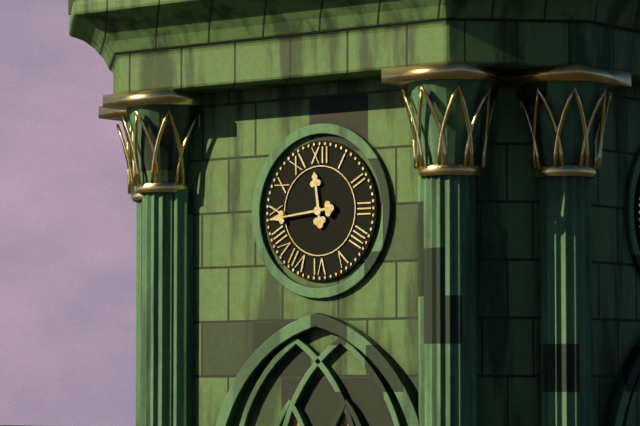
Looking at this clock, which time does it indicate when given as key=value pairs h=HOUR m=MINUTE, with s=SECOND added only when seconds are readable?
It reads h=11 m=44
